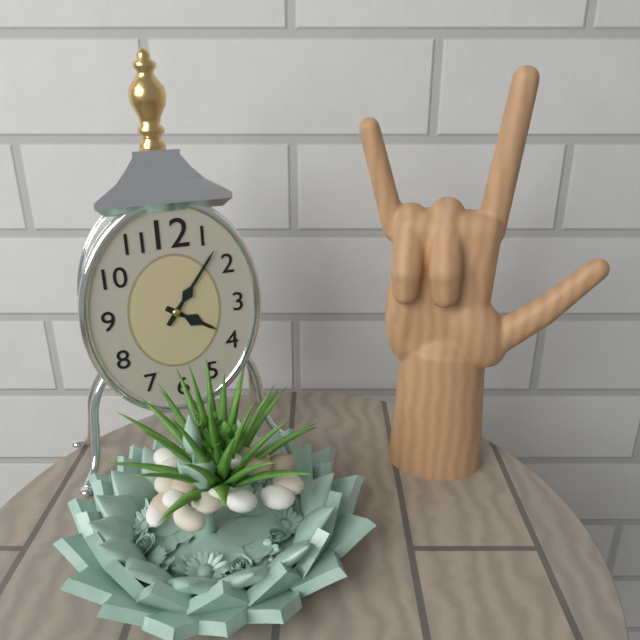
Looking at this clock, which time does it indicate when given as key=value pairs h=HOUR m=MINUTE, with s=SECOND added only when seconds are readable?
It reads h=4 m=6
